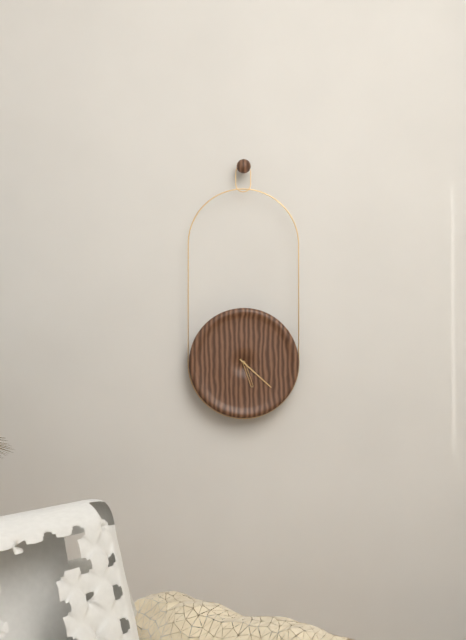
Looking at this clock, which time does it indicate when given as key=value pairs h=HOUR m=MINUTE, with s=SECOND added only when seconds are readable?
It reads h=5 m=22
